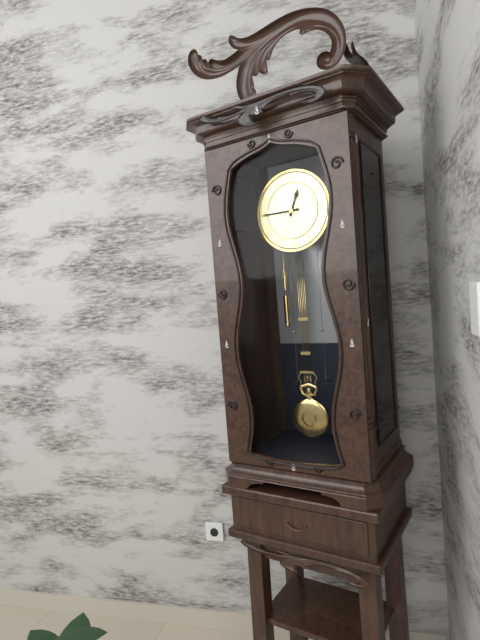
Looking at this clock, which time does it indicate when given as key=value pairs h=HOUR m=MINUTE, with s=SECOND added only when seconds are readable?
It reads h=12 m=45
